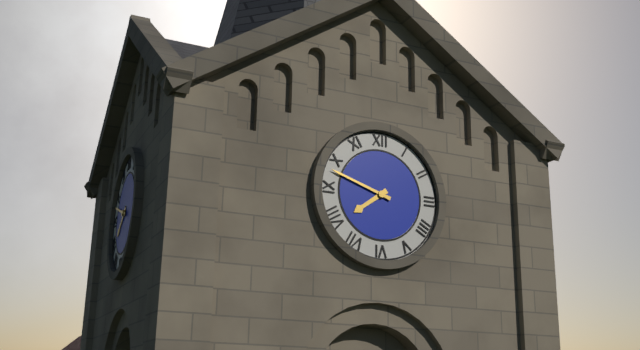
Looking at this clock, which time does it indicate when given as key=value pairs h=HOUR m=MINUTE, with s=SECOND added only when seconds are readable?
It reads h=7 m=48
